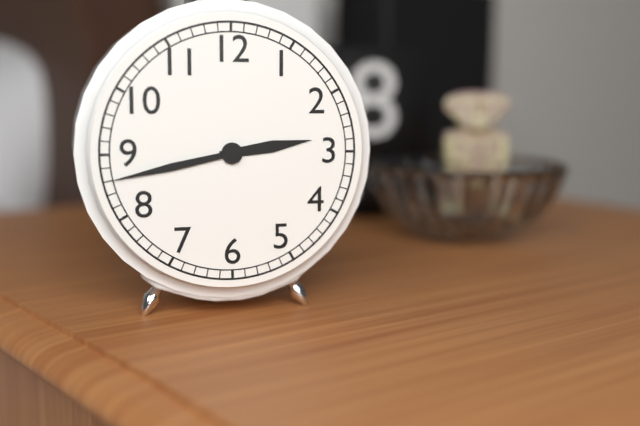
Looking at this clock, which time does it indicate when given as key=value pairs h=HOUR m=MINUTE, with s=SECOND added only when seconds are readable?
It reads h=2 m=43
